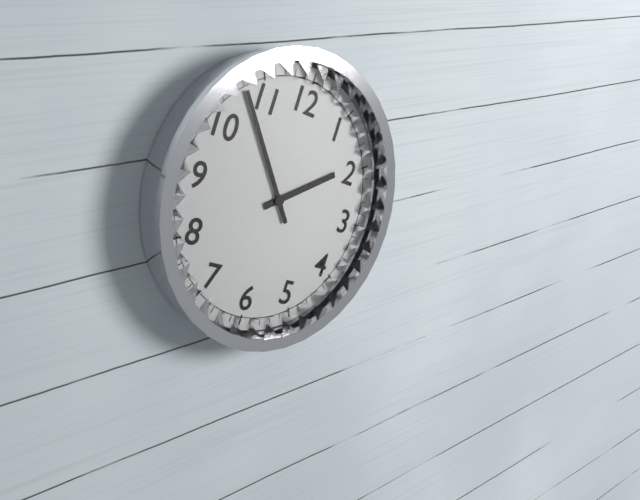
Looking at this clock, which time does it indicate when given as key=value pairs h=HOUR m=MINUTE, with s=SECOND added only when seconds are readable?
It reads h=1 m=53
